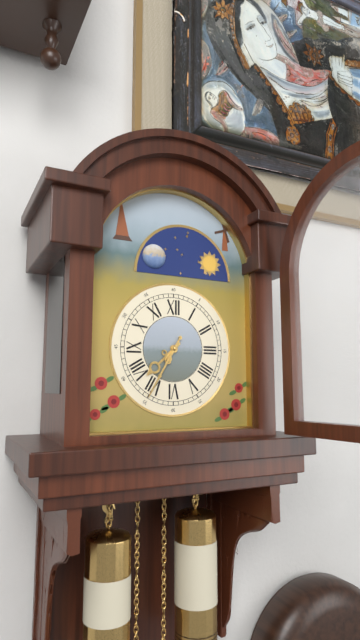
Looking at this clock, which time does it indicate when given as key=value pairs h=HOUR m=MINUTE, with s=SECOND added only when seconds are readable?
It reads h=7 m=35
